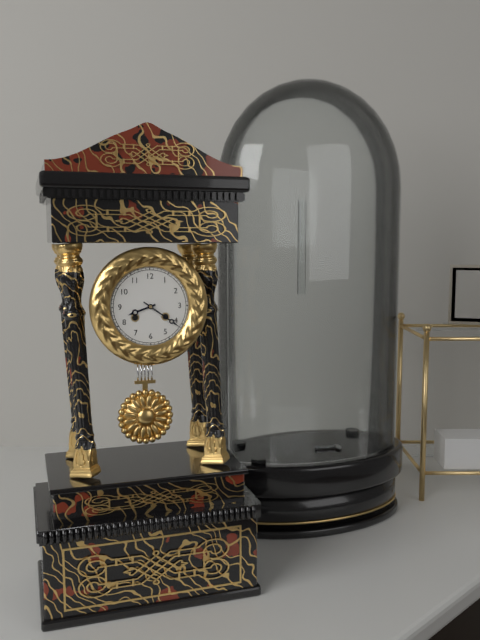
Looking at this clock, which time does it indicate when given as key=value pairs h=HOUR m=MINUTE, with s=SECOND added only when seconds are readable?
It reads h=8 m=21
